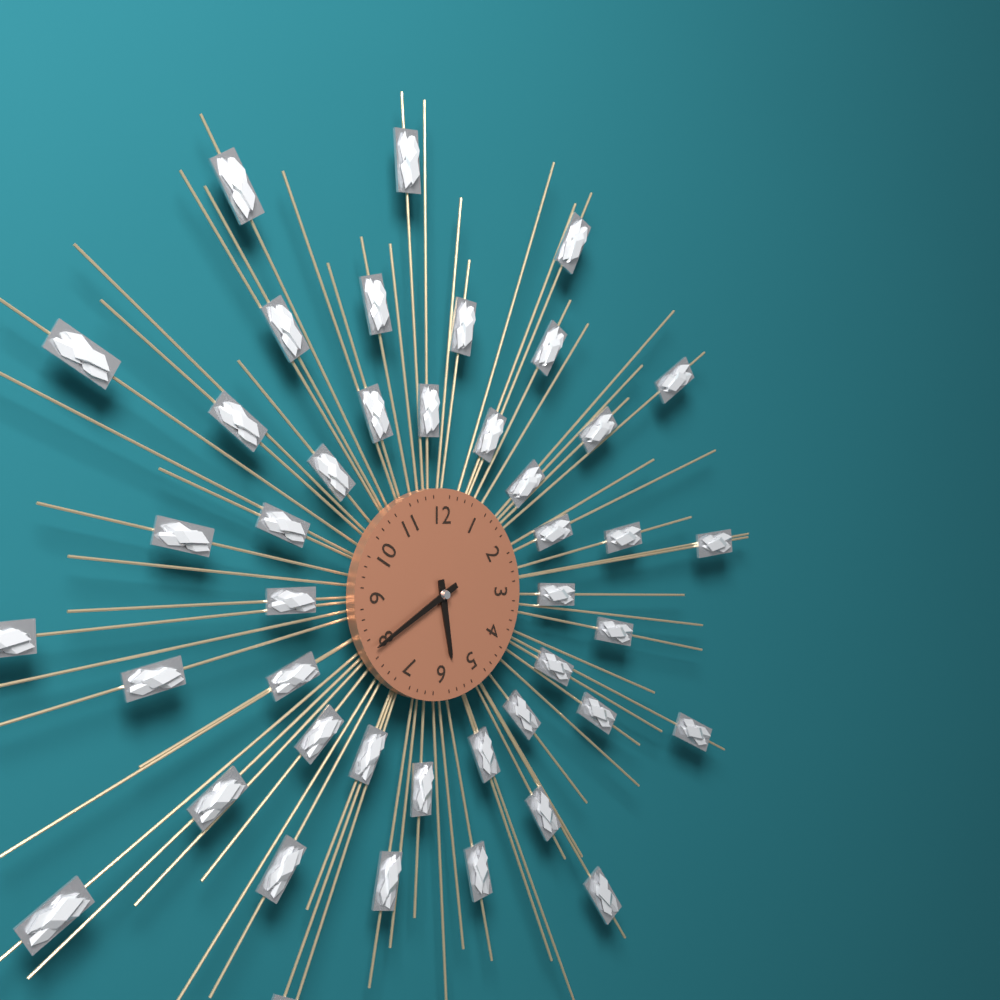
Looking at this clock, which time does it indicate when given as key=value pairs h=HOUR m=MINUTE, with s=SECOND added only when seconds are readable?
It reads h=5 m=40
